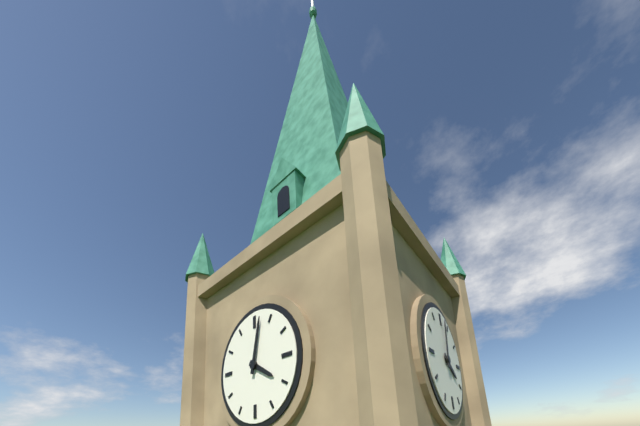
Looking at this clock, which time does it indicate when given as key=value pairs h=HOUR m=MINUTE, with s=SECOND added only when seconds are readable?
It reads h=4 m=2
